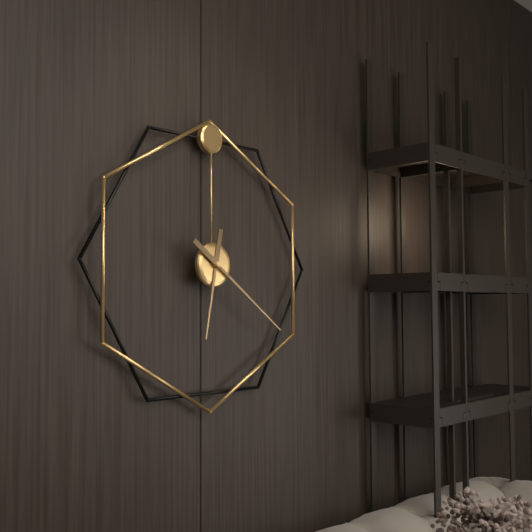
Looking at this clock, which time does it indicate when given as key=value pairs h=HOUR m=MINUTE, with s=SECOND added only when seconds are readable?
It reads h=6 m=21
